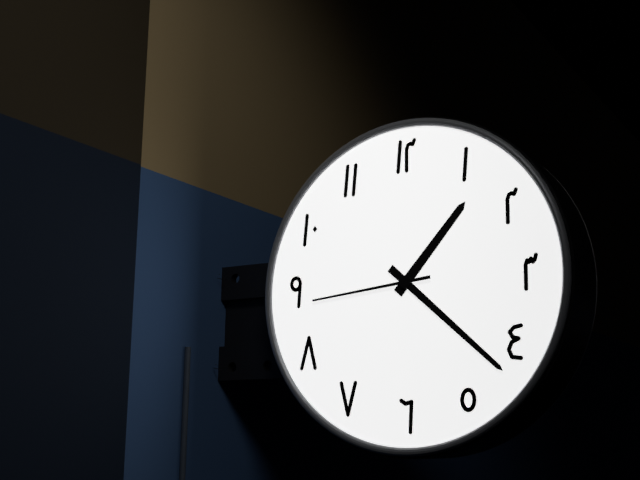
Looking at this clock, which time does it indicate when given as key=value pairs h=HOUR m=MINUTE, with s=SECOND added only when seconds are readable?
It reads h=1 m=22 s=44
